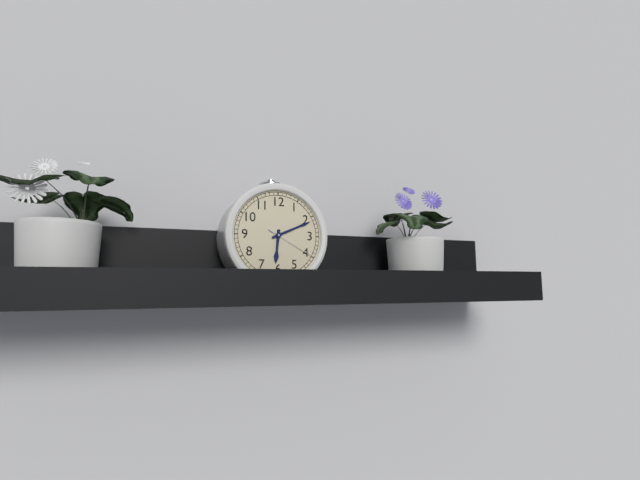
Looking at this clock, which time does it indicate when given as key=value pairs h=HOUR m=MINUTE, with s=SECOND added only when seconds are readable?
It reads h=6 m=11 s=20
